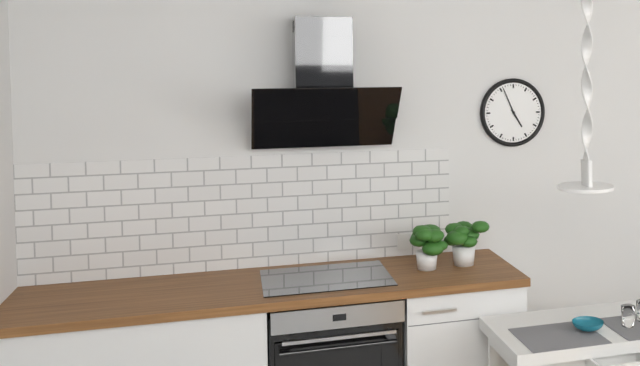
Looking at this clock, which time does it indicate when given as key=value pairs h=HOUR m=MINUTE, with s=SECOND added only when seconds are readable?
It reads h=4 m=56
